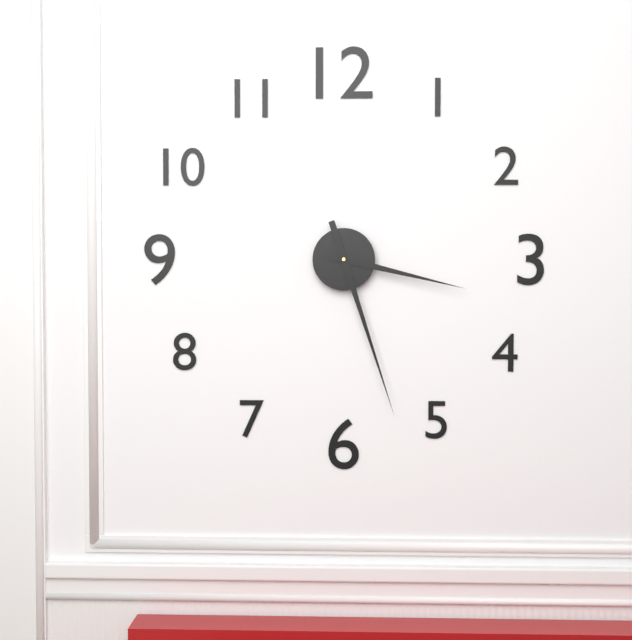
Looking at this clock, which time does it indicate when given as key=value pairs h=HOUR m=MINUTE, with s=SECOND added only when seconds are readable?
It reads h=3 m=27
